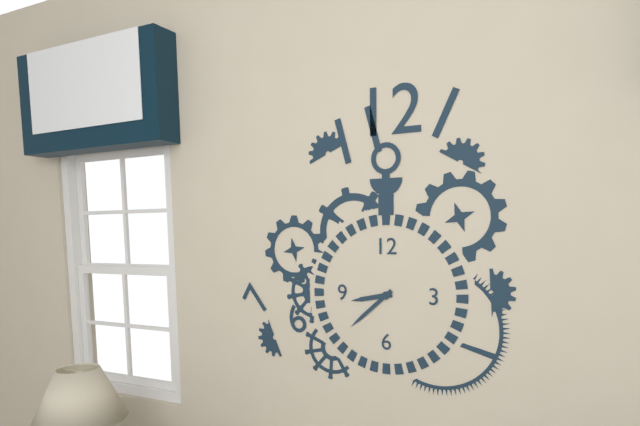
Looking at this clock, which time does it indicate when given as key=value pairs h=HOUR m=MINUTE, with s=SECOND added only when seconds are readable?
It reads h=8 m=38
